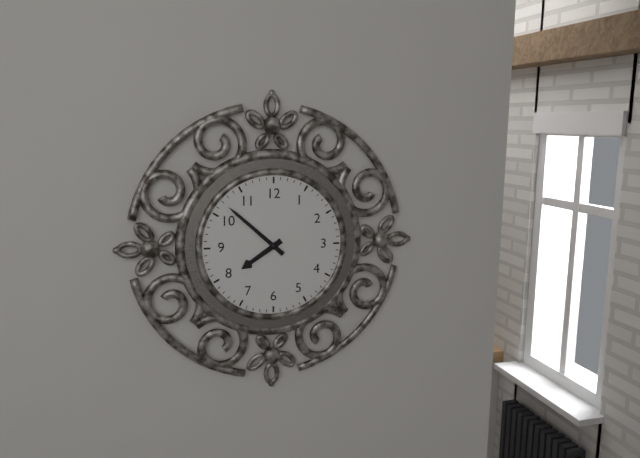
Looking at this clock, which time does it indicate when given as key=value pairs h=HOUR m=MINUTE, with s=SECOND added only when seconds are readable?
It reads h=7 m=52
